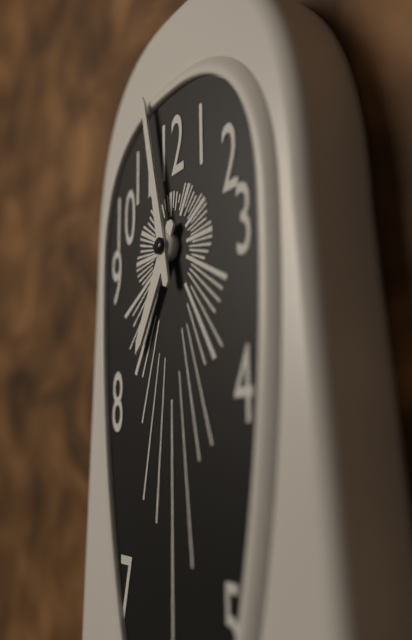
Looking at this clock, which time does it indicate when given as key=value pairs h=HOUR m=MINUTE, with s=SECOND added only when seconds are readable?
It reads h=6 m=58
